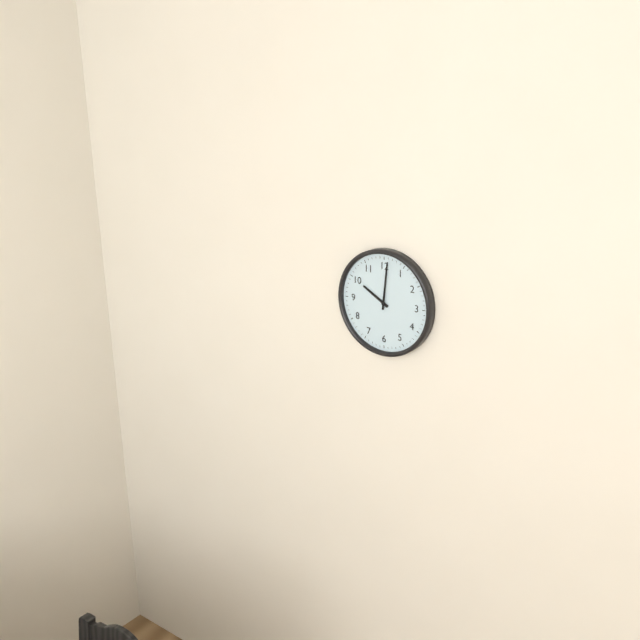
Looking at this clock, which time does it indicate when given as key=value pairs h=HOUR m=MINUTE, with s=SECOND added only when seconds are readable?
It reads h=10 m=1
